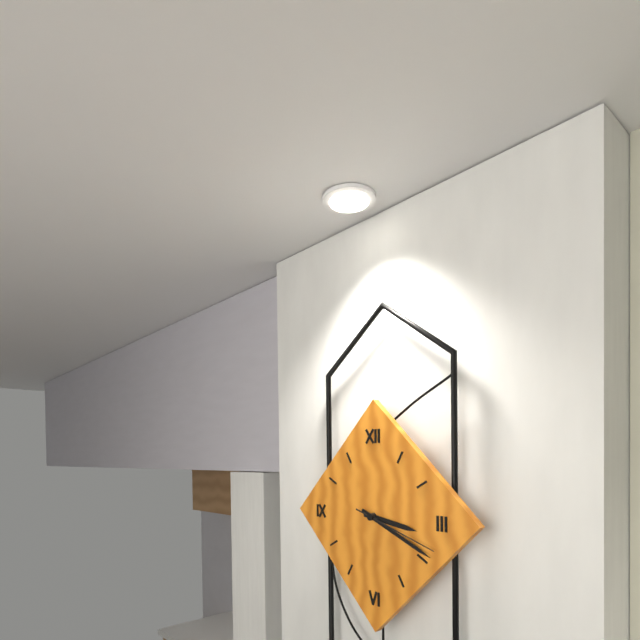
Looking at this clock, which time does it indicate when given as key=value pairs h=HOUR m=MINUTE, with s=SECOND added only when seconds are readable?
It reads h=3 m=19 s=18
